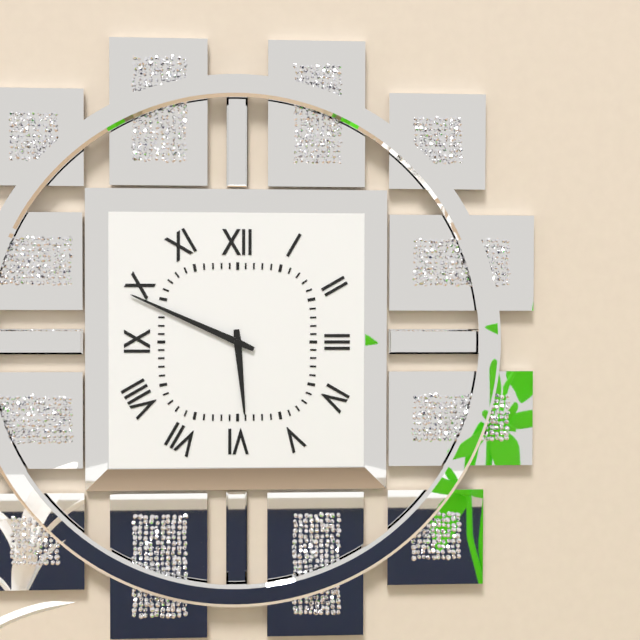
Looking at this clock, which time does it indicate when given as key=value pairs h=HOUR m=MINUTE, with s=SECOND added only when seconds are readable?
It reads h=5 m=49
